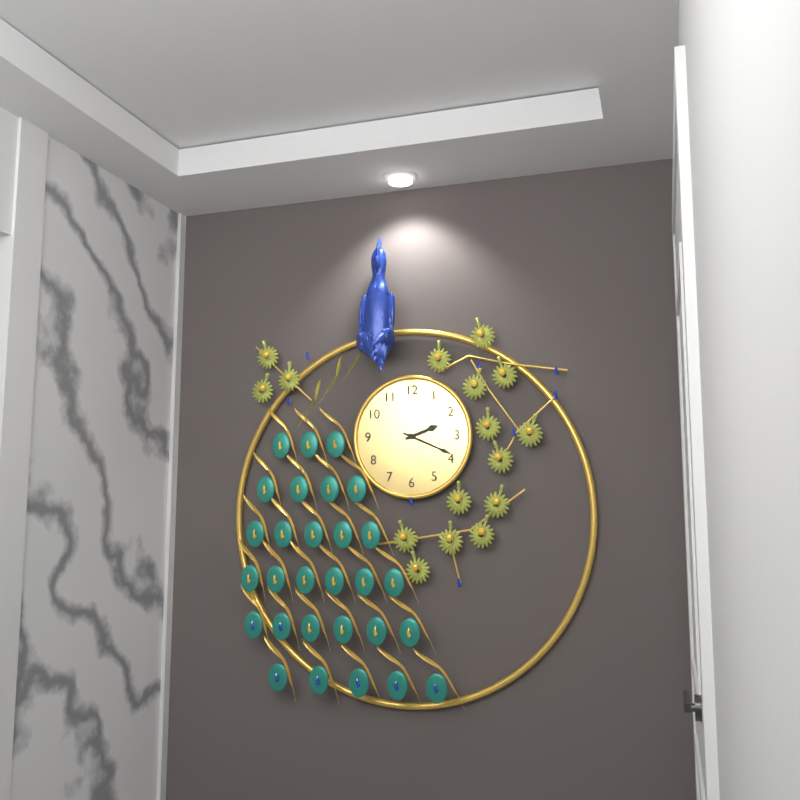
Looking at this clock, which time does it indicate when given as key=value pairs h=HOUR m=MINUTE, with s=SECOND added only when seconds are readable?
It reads h=2 m=19
